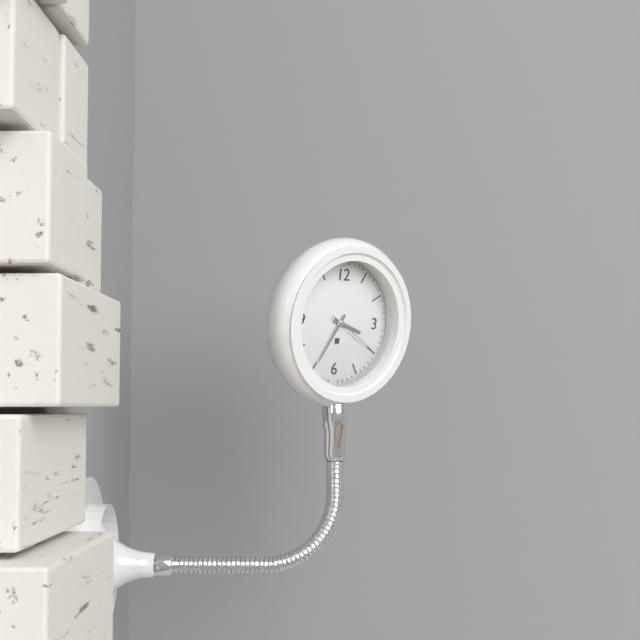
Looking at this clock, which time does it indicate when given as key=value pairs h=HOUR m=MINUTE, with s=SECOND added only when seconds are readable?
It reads h=3 m=35 s=20
